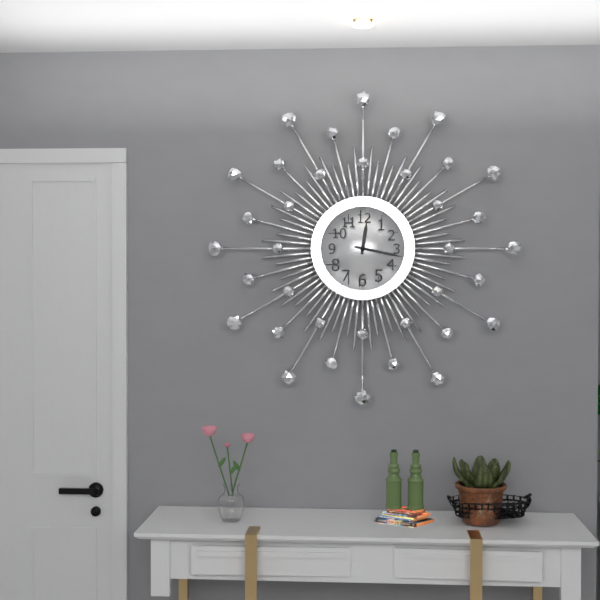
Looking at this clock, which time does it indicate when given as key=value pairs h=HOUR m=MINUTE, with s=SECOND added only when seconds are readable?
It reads h=12 m=17
